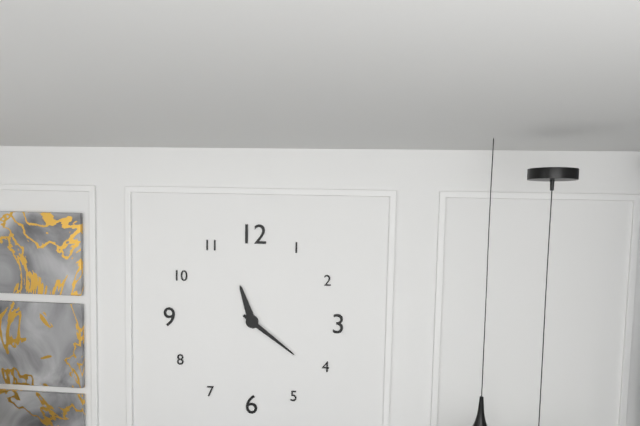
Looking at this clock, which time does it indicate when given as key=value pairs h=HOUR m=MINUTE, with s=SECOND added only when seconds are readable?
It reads h=11 m=21
